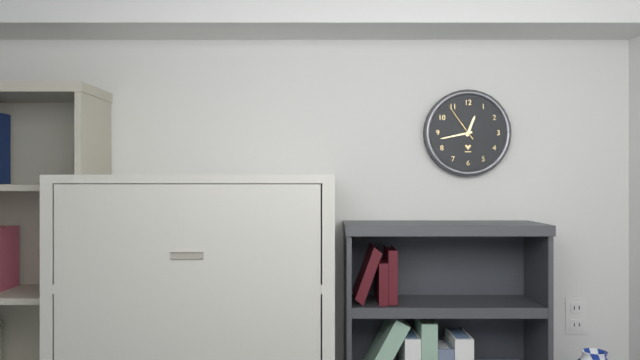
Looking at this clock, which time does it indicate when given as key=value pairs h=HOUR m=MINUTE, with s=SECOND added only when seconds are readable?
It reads h=12 m=43
